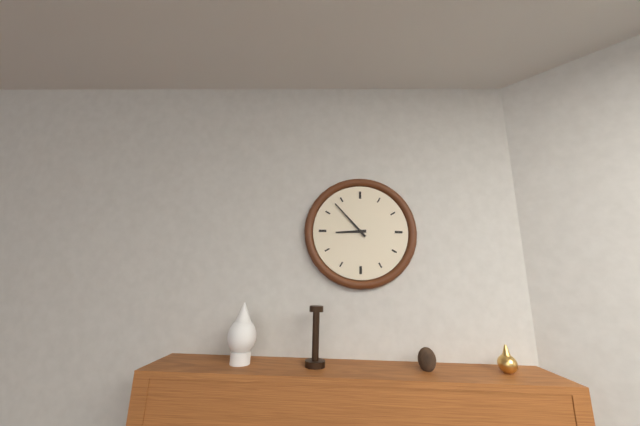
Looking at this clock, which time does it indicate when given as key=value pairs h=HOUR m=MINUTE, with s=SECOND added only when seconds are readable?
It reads h=8 m=53
